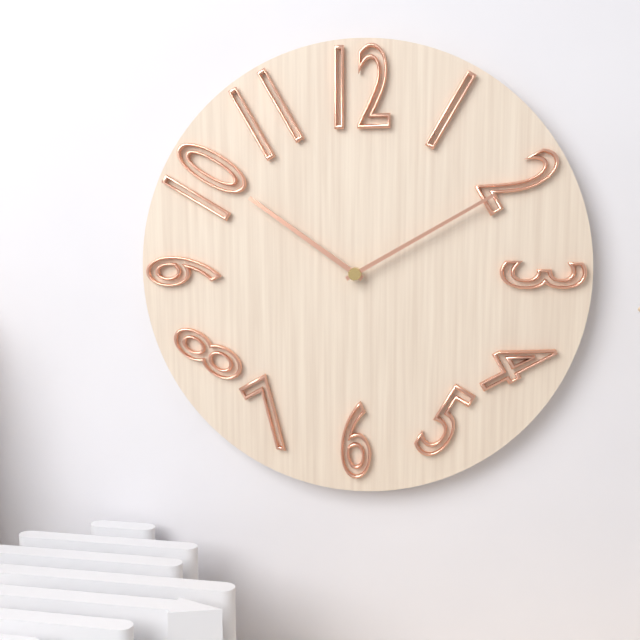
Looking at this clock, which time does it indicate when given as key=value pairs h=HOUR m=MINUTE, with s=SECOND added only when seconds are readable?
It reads h=10 m=10
